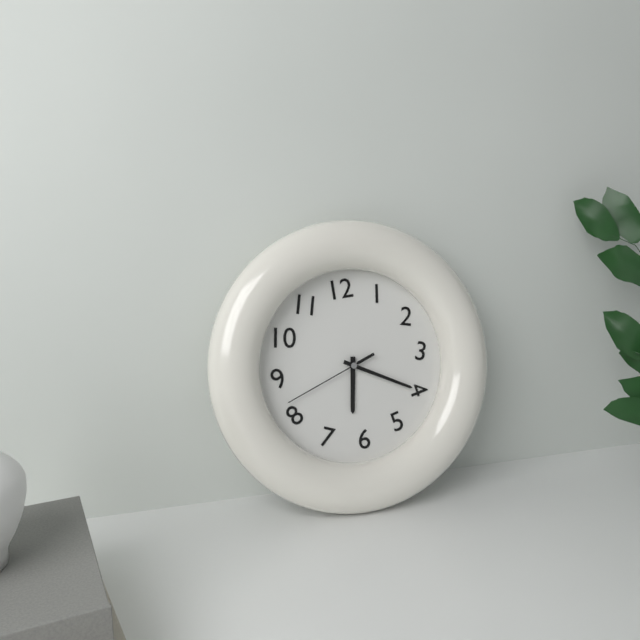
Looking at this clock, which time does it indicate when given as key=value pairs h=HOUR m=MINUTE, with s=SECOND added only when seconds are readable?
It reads h=6 m=20 s=42
